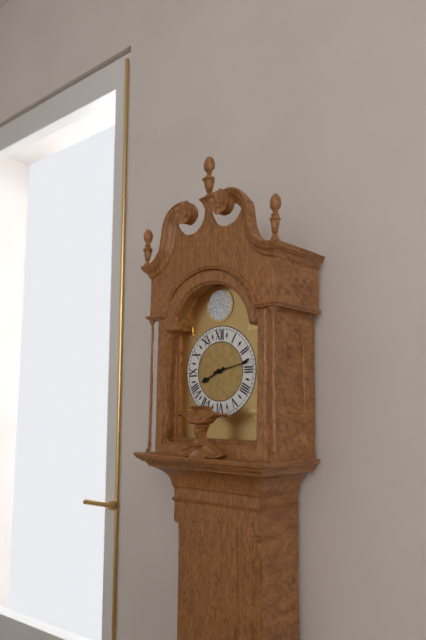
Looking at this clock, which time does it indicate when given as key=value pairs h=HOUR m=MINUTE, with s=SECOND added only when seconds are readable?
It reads h=8 m=13
